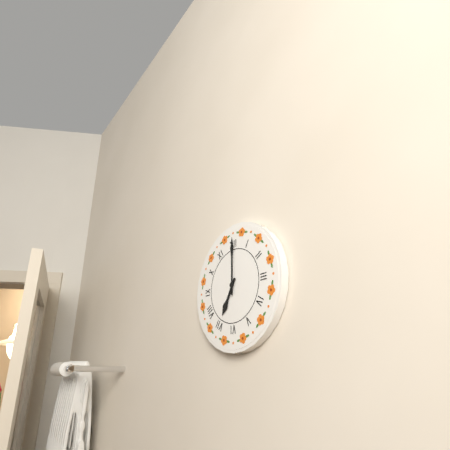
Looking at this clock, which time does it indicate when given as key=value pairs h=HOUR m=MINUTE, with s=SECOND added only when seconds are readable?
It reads h=7 m=0
